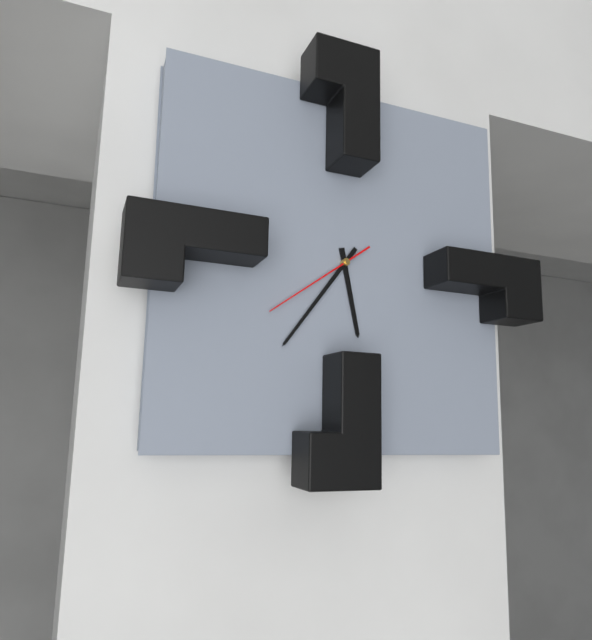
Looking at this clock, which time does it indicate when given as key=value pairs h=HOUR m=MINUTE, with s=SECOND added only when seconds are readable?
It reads h=5 m=36 s=39
